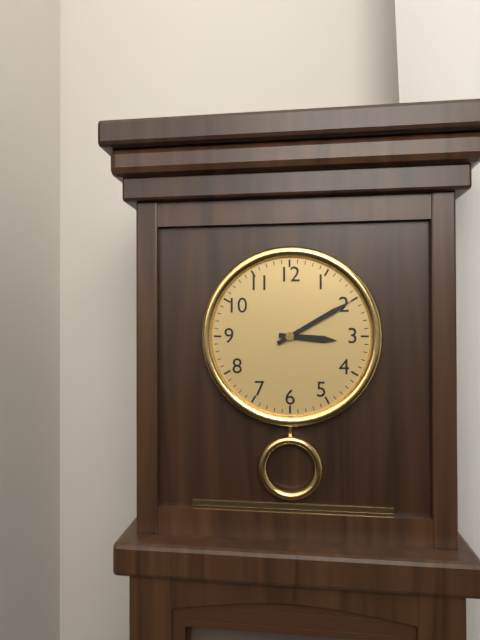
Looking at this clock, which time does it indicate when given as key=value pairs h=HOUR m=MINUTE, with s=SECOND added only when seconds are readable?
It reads h=3 m=10
